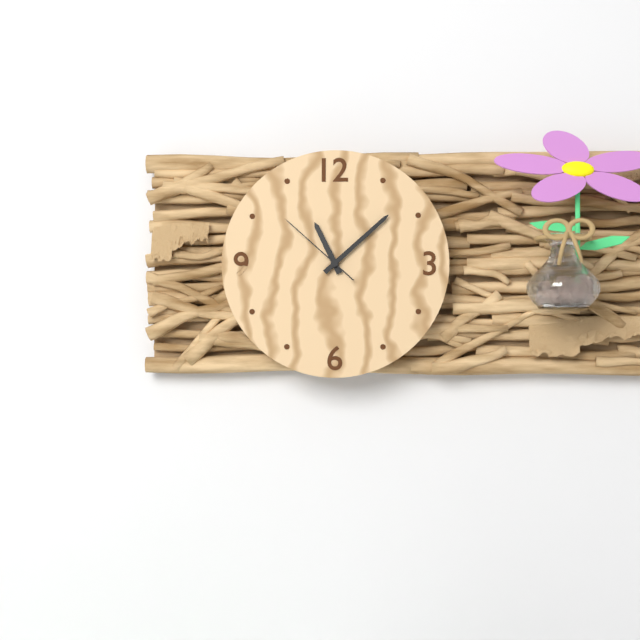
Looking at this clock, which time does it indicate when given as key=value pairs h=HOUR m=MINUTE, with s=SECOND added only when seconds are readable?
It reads h=11 m=8 s=52
